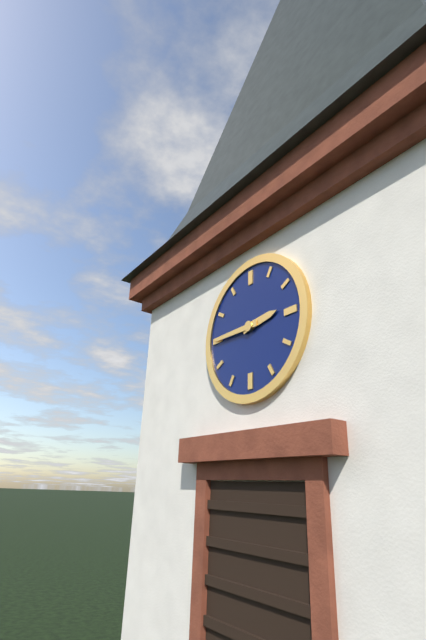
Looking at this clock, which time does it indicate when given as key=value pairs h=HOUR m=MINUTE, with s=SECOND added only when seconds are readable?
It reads h=2 m=45
